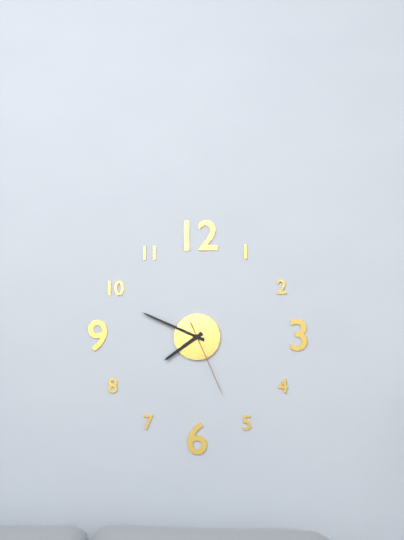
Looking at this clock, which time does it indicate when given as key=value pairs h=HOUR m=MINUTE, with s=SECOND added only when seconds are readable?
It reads h=7 m=49 s=26
